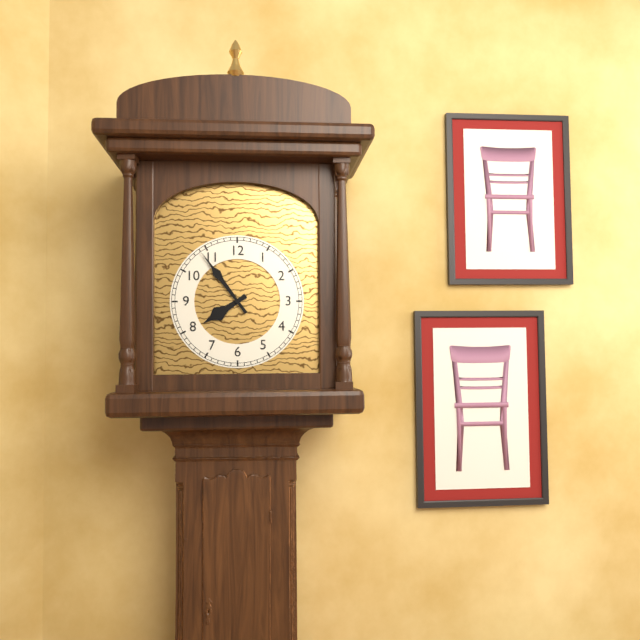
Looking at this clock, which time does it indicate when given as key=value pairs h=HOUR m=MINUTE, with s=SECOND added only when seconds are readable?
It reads h=7 m=54
